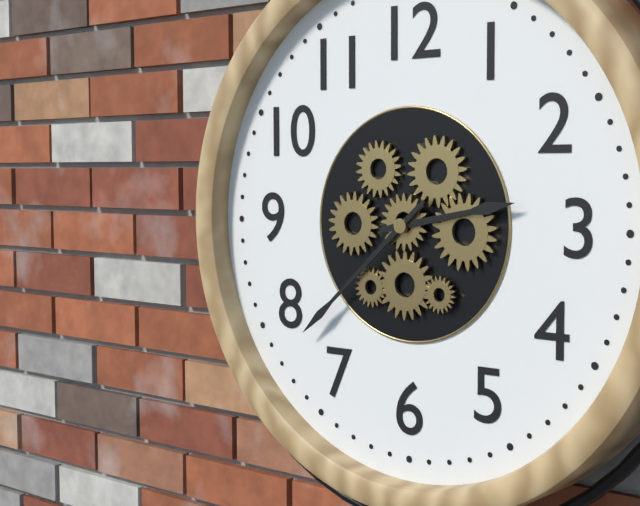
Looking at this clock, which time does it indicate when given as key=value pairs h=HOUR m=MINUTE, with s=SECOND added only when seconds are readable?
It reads h=2 m=38
